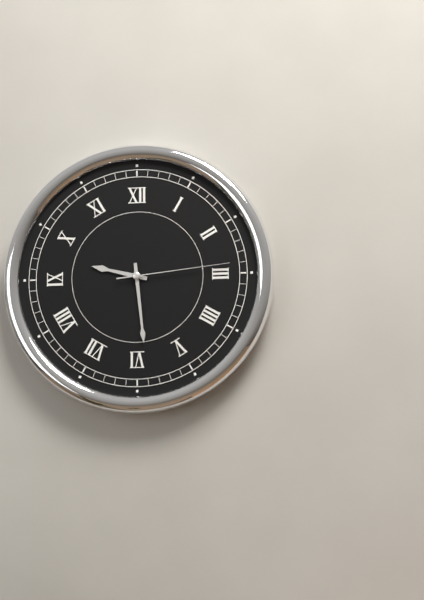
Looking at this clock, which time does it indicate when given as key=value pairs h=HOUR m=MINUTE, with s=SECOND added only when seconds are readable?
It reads h=9 m=29 s=14
